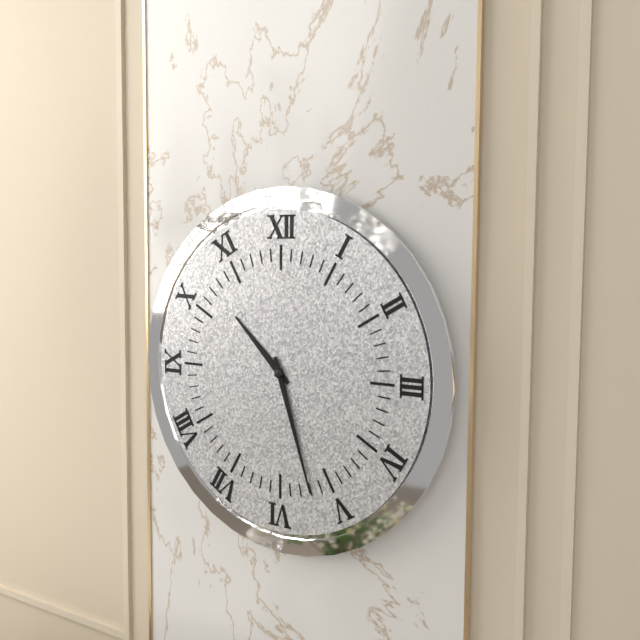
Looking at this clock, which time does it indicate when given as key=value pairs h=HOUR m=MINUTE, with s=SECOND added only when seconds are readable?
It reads h=10 m=27
